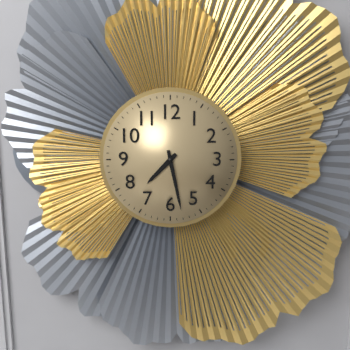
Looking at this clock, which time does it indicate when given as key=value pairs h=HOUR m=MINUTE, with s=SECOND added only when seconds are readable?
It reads h=7 m=28
